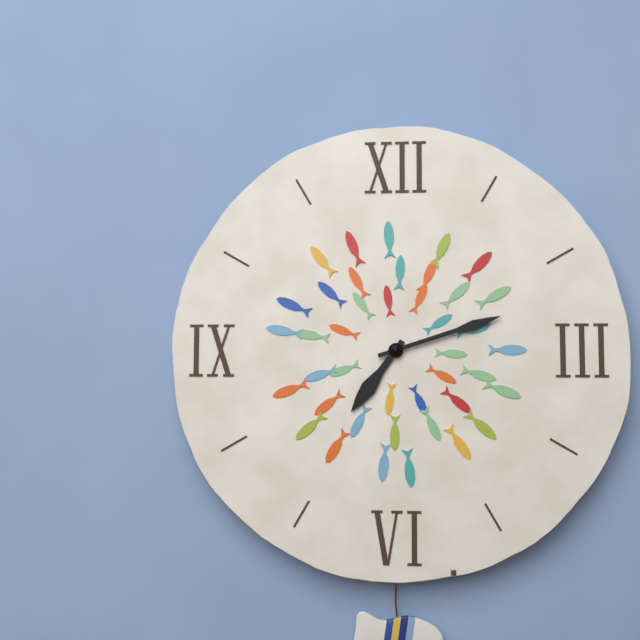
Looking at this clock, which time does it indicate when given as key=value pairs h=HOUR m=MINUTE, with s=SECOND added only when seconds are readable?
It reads h=7 m=12
